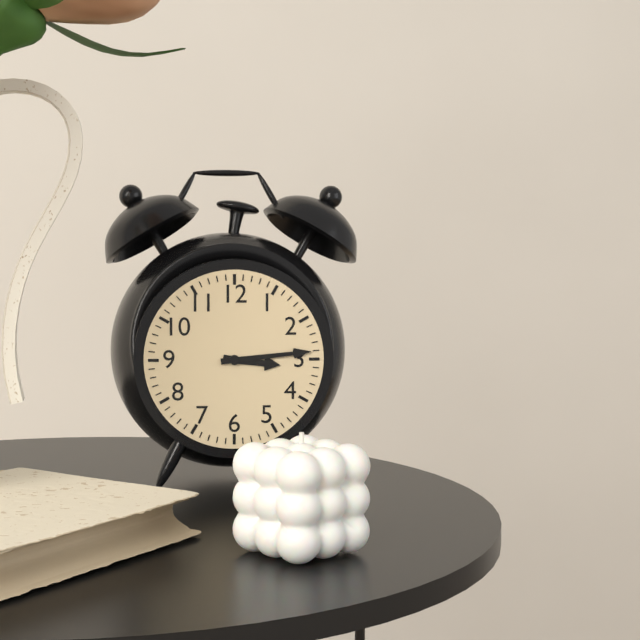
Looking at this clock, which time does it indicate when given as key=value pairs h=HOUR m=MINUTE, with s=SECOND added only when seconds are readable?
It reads h=3 m=14
